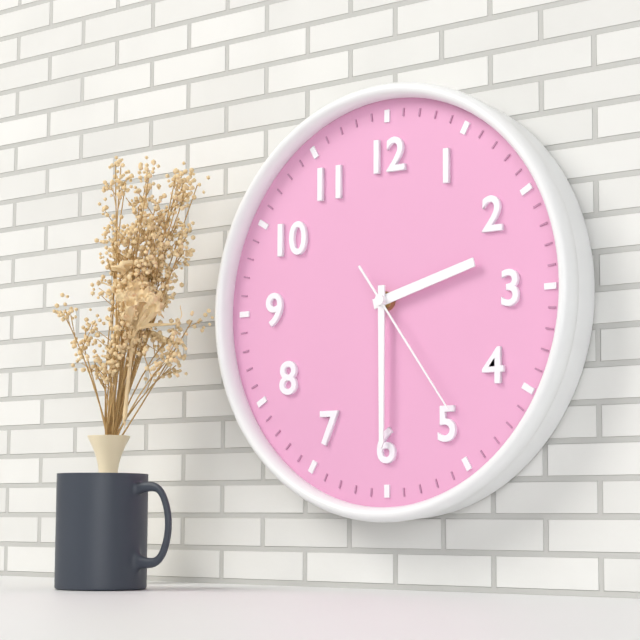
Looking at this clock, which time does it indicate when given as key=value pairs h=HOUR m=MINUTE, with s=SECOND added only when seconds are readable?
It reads h=2 m=30 s=24
